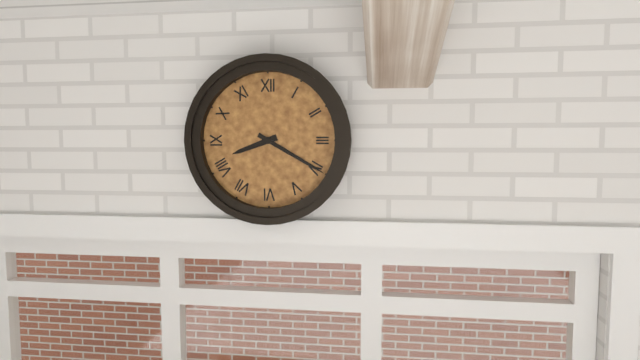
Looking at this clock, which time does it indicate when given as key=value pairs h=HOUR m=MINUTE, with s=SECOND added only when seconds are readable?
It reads h=8 m=20
